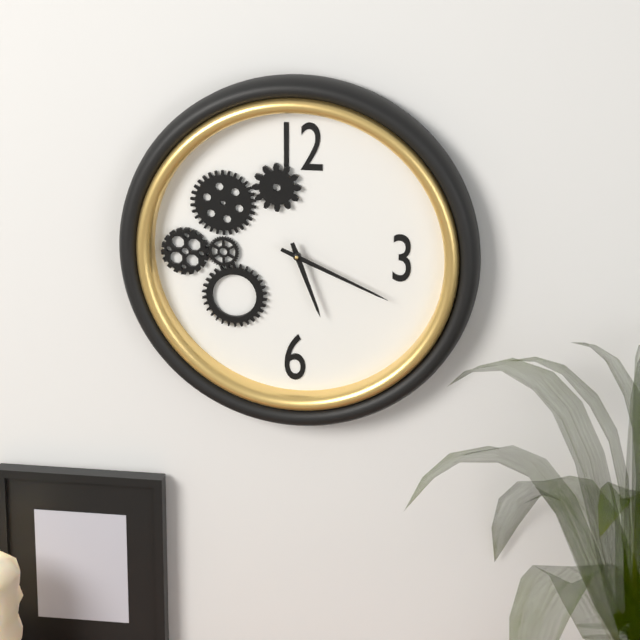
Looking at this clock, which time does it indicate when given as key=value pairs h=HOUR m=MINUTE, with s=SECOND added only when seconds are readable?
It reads h=5 m=19
